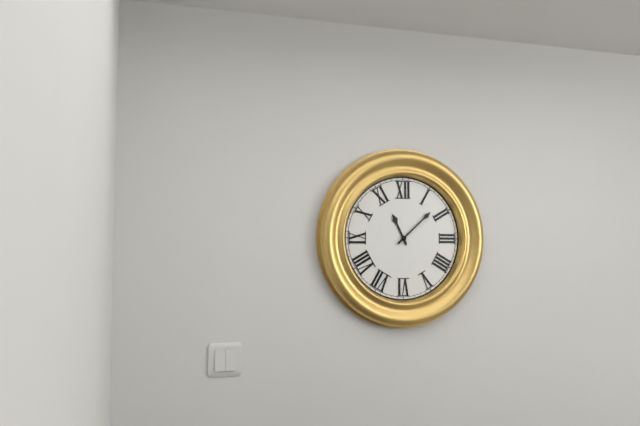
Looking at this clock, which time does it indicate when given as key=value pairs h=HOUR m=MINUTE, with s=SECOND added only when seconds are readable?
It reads h=11 m=8
